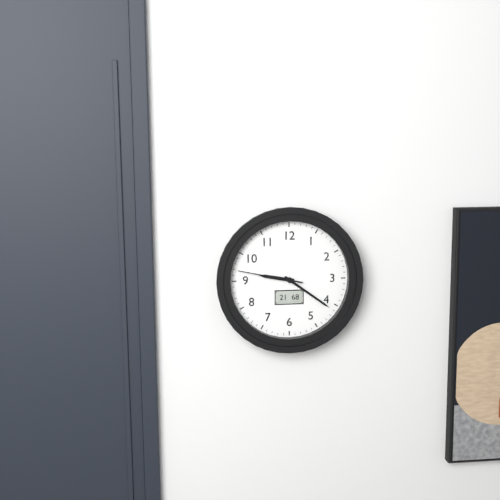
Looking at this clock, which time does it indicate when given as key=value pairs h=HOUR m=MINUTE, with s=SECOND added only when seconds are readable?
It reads h=9 m=21 s=47
